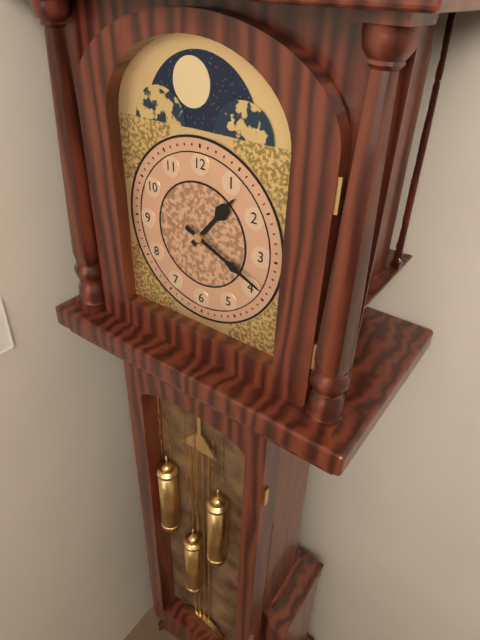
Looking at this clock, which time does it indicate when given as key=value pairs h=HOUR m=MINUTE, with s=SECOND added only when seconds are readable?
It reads h=1 m=19
